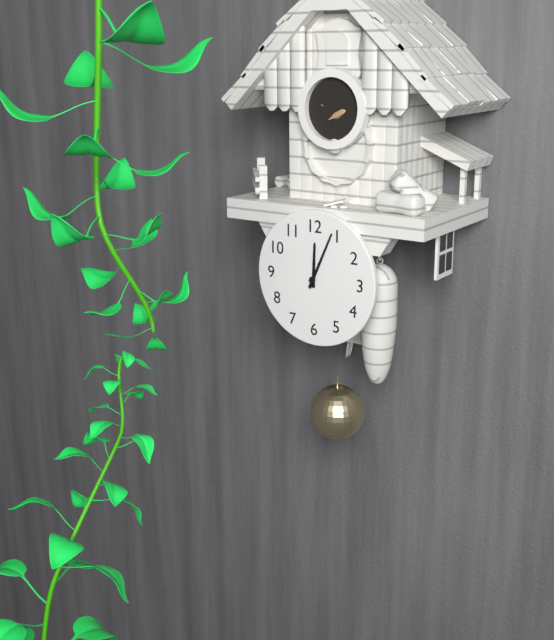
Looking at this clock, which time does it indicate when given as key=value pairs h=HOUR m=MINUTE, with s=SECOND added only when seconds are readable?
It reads h=12 m=4
